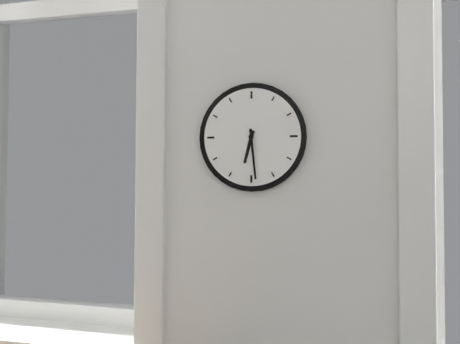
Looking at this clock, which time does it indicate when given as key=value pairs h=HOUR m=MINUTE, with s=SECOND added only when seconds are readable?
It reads h=6 m=29
